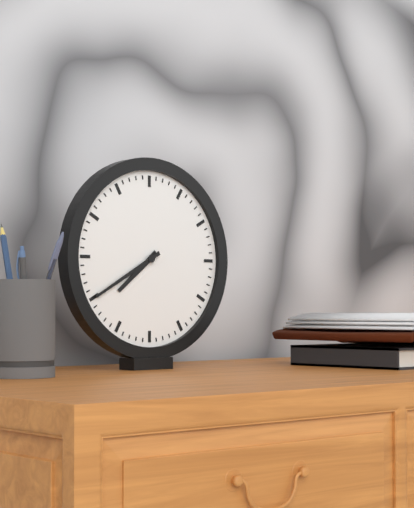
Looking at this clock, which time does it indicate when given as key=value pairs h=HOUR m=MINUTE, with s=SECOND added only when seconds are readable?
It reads h=7 m=40
